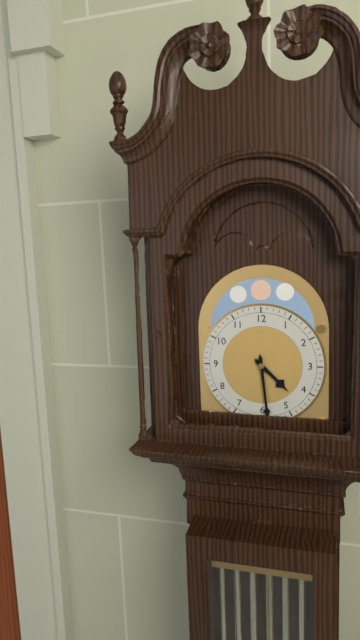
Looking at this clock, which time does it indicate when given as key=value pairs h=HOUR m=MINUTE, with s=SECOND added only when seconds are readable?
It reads h=4 m=29
